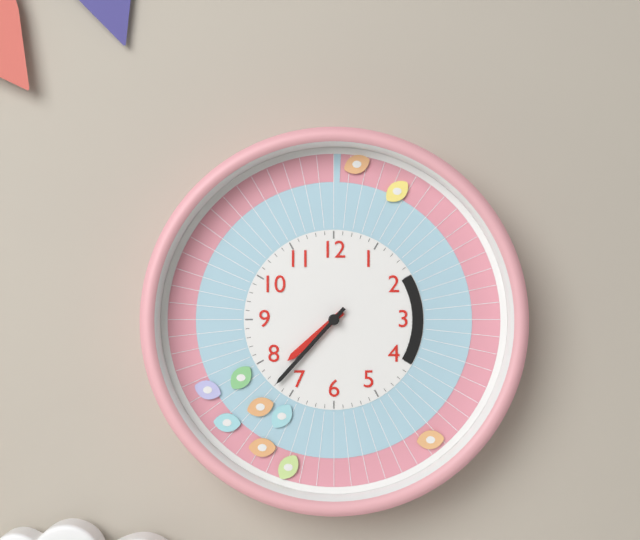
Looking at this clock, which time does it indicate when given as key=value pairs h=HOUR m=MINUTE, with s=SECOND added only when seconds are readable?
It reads h=7 m=37
